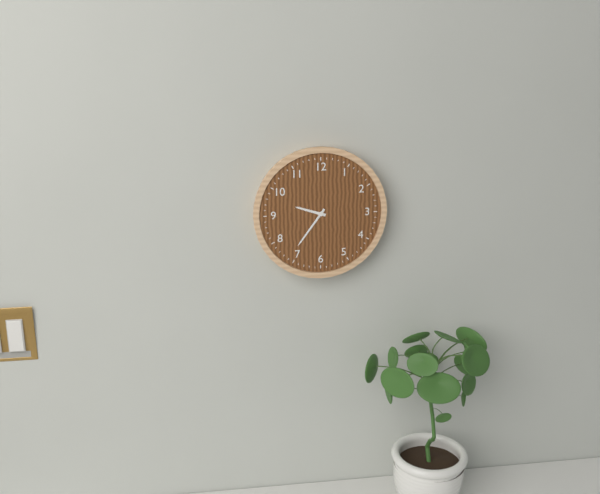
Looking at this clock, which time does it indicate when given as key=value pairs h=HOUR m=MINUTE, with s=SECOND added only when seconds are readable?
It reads h=9 m=36
